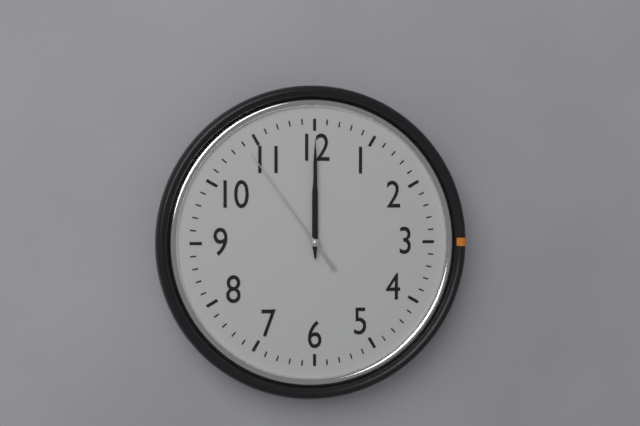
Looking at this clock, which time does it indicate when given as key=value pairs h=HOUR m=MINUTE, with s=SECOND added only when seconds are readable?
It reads h=12 m=0 s=54
